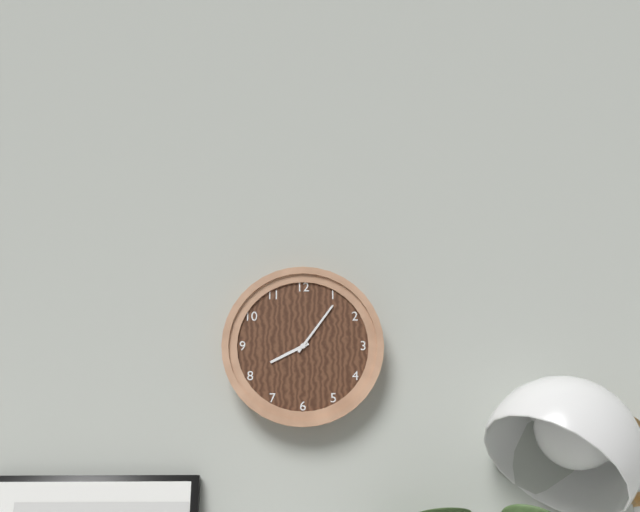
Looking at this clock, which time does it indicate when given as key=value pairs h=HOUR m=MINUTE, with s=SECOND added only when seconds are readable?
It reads h=8 m=6
